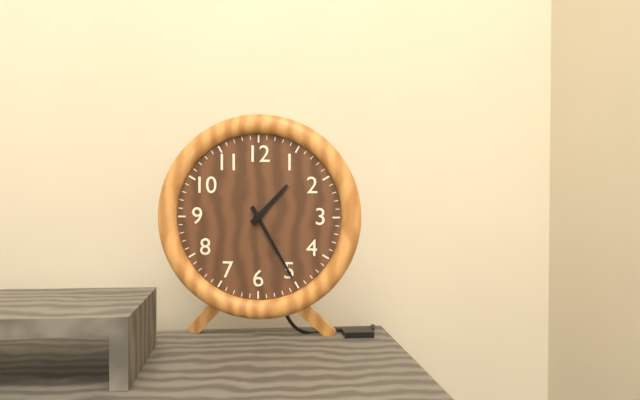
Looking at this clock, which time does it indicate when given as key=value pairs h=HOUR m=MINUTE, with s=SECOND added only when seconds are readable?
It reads h=1 m=25
